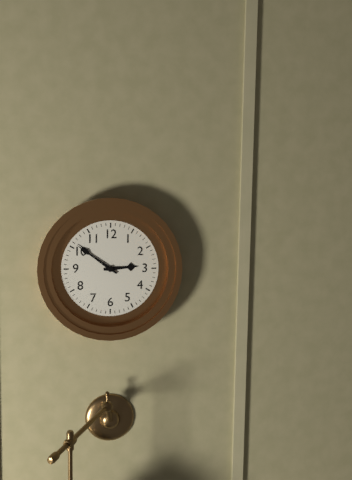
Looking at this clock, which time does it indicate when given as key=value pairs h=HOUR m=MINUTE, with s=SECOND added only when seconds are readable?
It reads h=2 m=51
